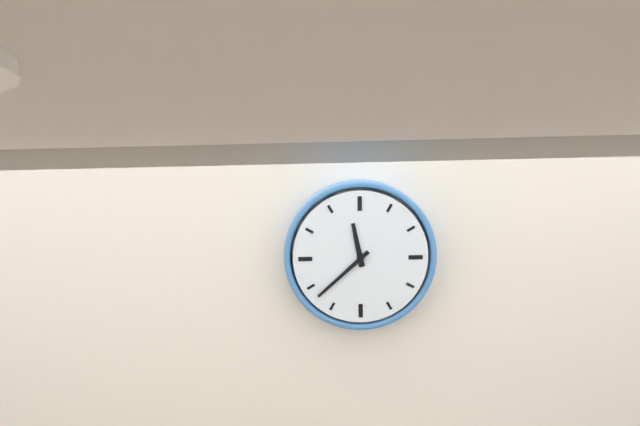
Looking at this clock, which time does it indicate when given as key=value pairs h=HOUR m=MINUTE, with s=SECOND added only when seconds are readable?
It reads h=11 m=38
